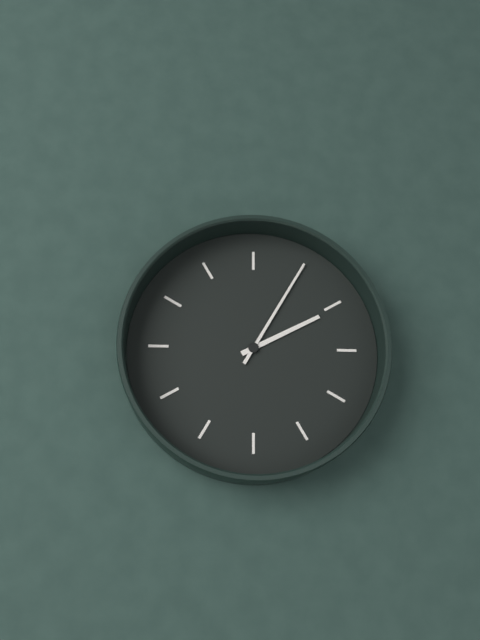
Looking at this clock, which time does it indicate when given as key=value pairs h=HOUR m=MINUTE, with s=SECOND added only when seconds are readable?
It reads h=2 m=5
